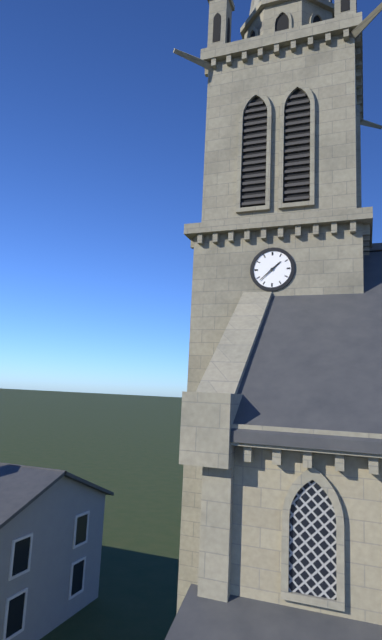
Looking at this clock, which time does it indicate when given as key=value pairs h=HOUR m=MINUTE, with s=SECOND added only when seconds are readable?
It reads h=1 m=38
